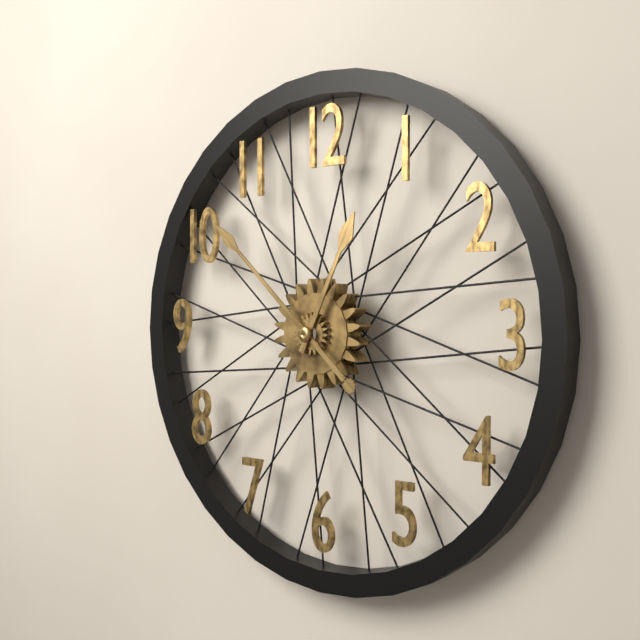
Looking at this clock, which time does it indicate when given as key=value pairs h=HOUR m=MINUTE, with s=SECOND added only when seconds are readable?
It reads h=12 m=52
